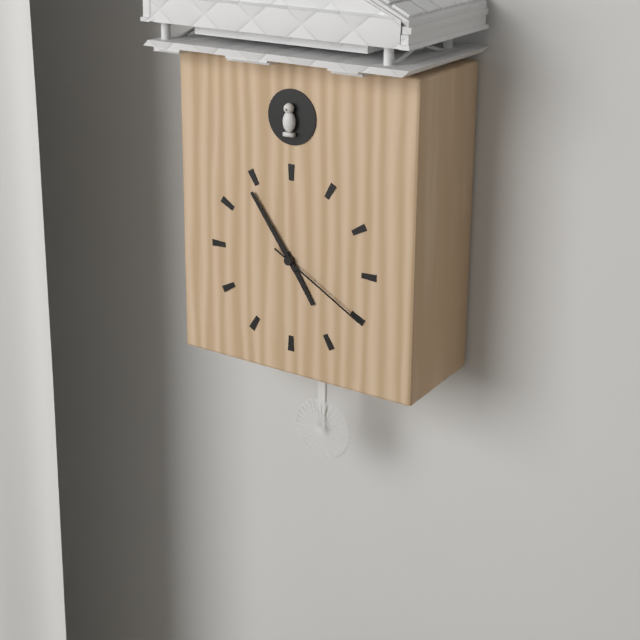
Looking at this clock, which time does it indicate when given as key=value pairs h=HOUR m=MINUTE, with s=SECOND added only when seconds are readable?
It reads h=4 m=54 s=20
